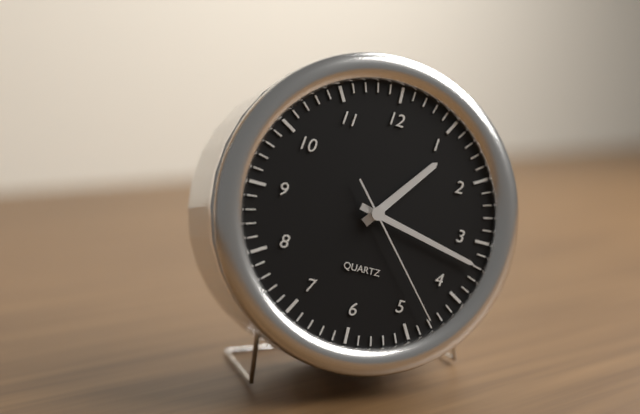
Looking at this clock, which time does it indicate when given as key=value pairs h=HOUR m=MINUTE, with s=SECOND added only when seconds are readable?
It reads h=1 m=17 s=23
